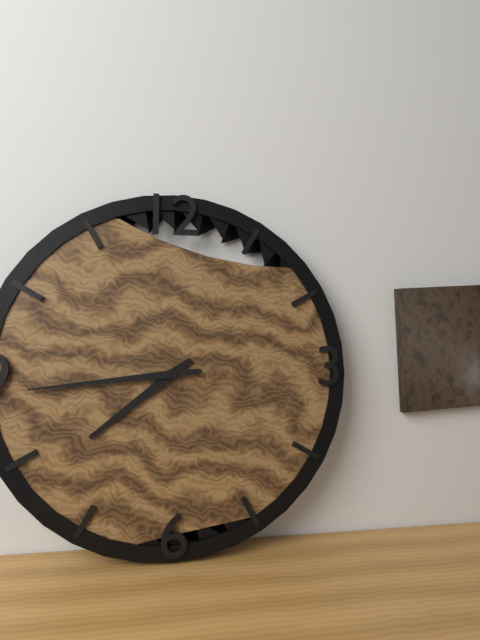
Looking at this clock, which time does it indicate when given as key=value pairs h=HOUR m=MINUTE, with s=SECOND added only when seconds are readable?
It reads h=7 m=44
